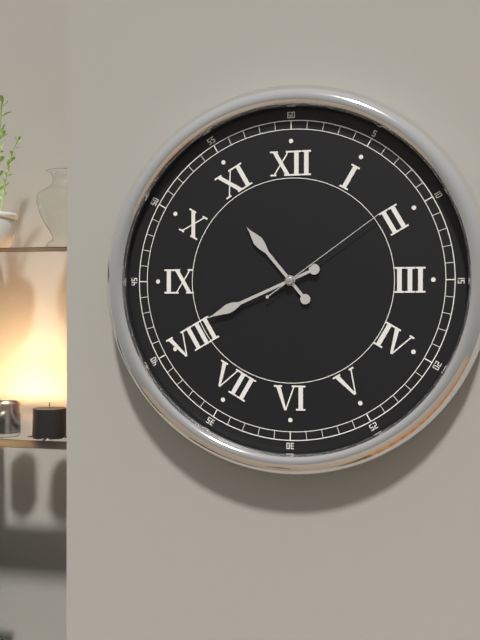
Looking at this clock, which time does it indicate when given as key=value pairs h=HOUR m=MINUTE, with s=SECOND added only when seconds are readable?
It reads h=10 m=41 s=9
